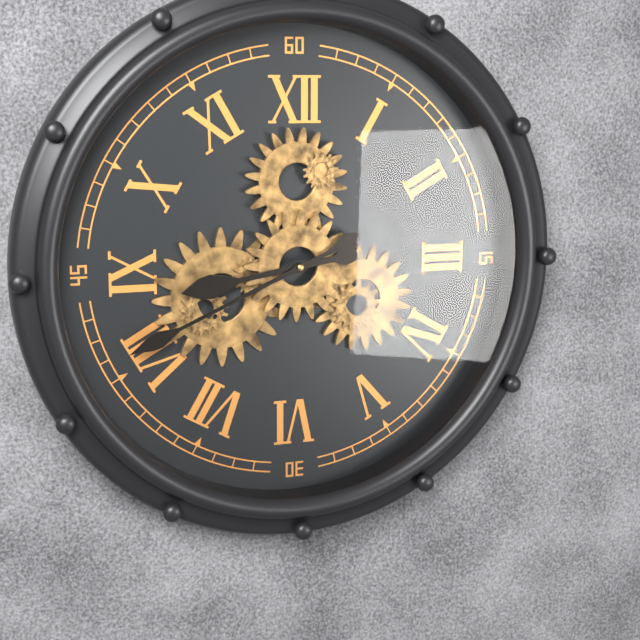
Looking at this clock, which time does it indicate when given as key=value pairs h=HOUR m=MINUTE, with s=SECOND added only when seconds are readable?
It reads h=8 m=41
